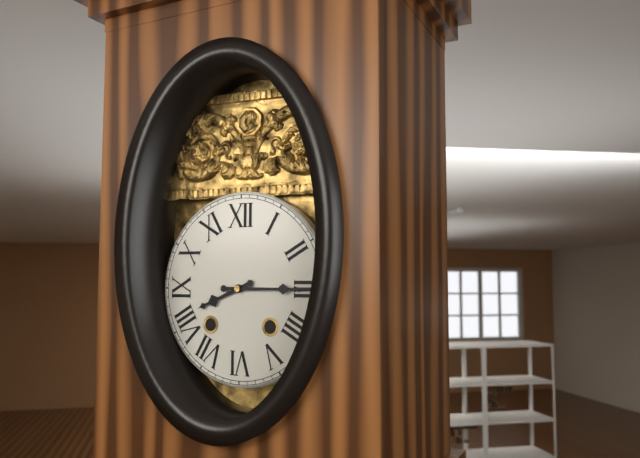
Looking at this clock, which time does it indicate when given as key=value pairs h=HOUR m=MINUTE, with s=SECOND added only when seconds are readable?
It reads h=8 m=15
